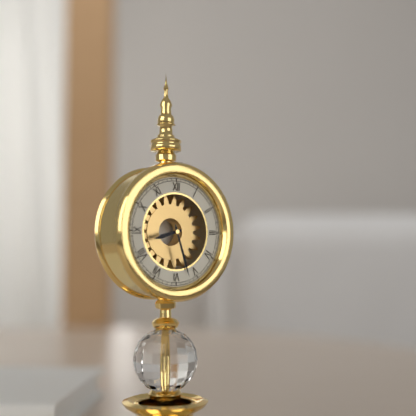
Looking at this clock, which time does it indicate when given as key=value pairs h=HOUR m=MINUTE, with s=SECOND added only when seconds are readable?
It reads h=8 m=27
